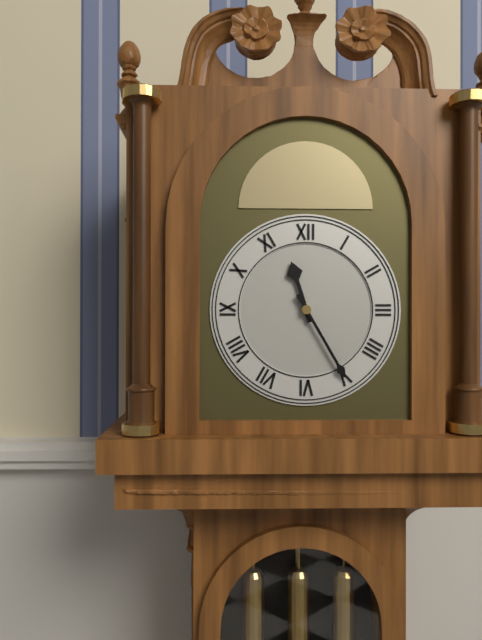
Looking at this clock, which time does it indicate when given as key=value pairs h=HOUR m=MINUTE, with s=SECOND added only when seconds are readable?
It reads h=11 m=25
